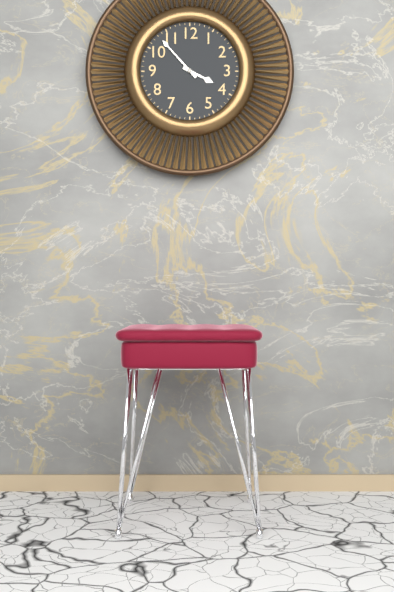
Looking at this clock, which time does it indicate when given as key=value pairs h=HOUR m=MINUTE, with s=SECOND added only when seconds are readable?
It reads h=3 m=53
